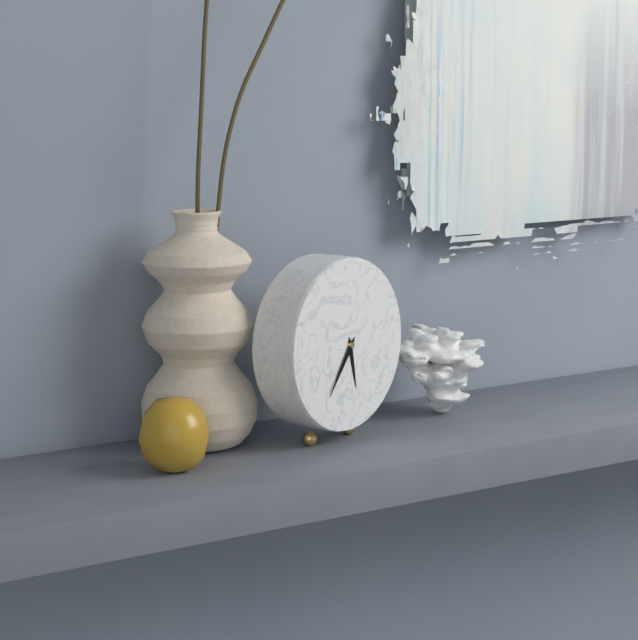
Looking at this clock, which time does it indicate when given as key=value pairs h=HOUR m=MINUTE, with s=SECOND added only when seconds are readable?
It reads h=5 m=36
